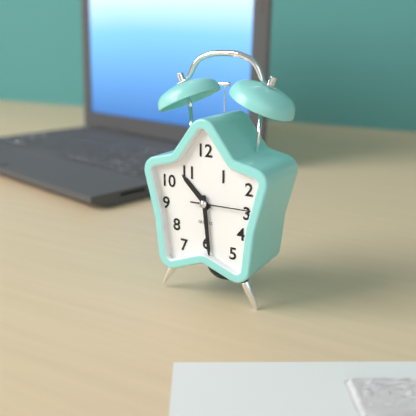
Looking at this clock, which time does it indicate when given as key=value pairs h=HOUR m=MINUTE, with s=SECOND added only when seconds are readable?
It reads h=10 m=29 s=15
